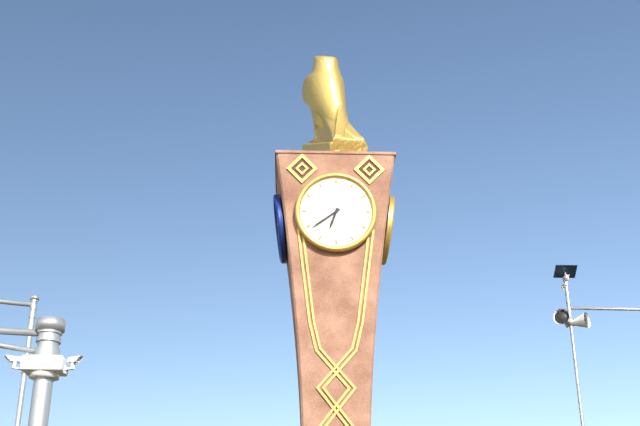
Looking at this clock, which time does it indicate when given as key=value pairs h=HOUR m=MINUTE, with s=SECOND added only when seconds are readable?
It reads h=6 m=39
